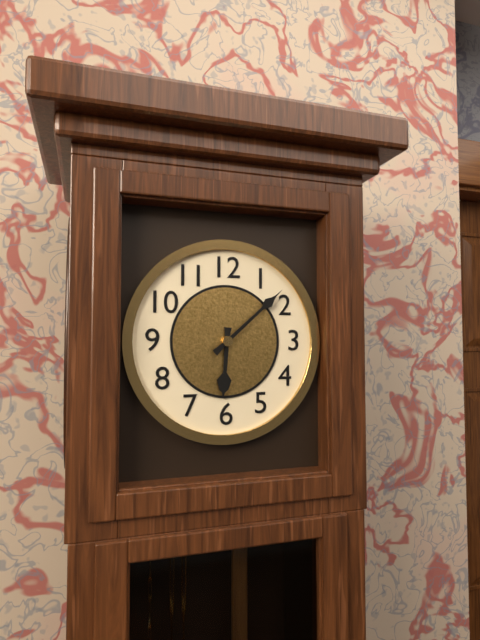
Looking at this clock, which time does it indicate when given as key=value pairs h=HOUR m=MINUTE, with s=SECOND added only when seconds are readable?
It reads h=6 m=8
